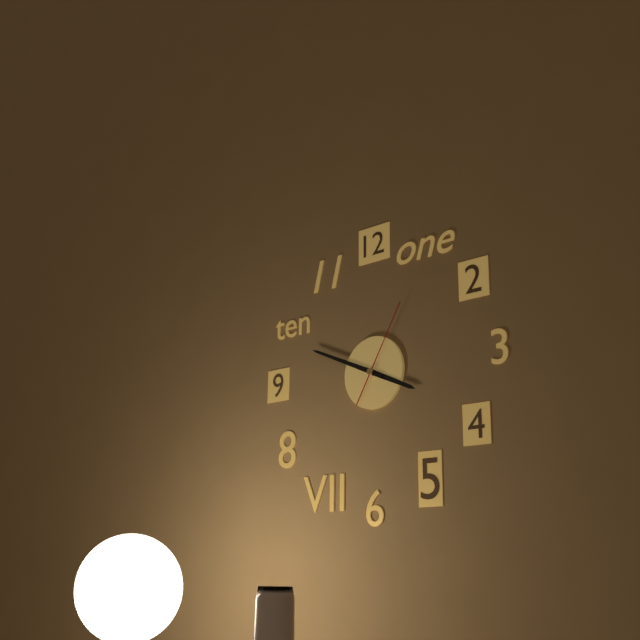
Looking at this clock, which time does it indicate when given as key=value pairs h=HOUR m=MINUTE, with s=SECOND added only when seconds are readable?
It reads h=3 m=49 s=5
